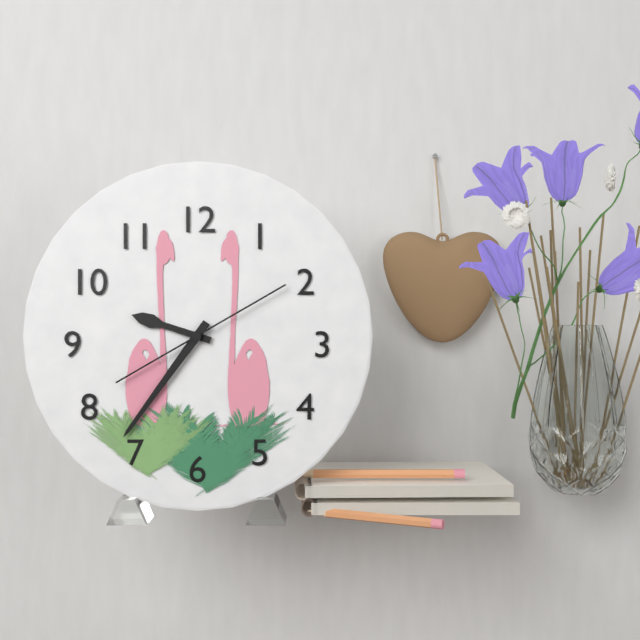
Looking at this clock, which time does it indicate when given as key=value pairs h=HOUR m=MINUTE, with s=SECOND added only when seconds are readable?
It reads h=9 m=36 s=10
